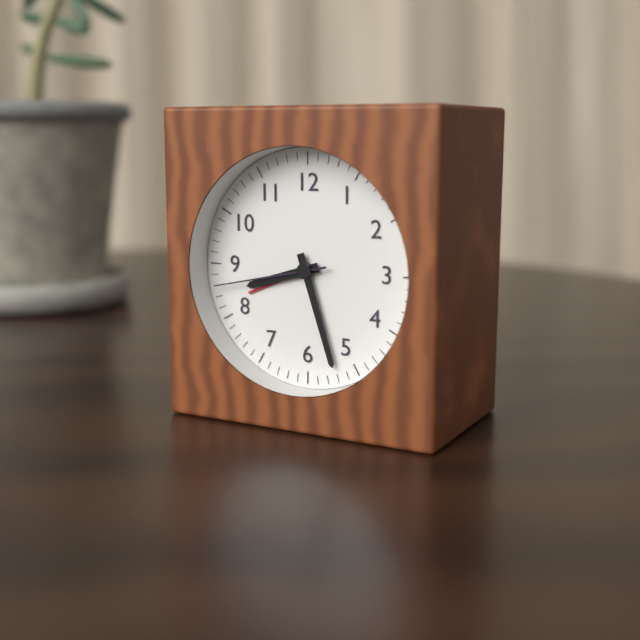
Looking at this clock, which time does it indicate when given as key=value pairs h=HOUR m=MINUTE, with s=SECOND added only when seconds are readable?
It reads h=8 m=27 s=43
